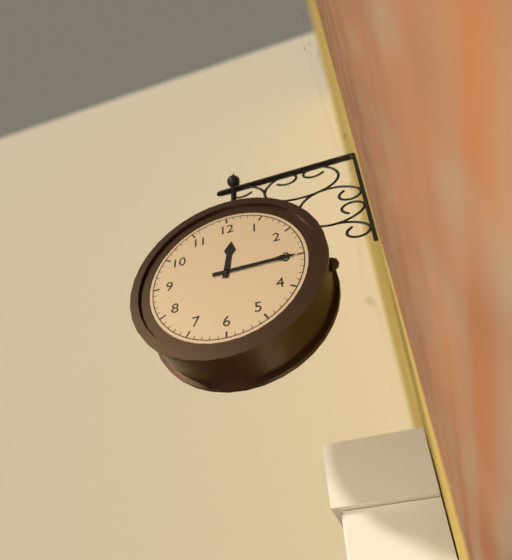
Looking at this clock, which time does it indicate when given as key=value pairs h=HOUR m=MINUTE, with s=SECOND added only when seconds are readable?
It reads h=12 m=15
